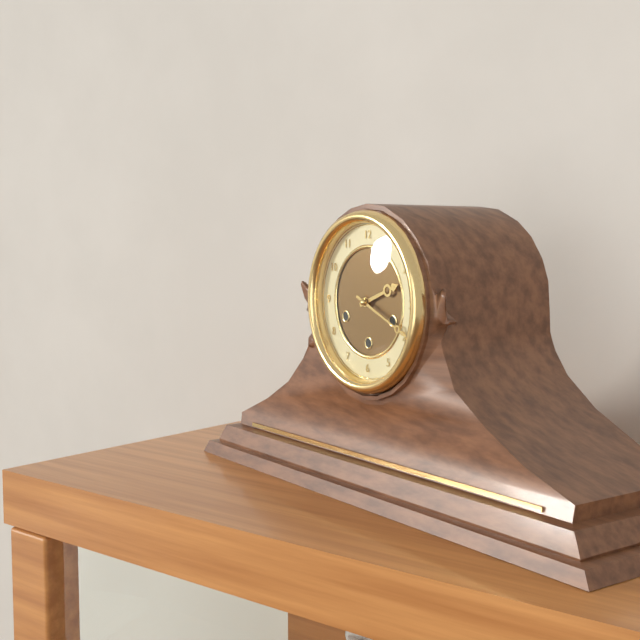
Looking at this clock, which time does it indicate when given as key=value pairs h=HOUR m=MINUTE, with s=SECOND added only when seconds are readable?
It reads h=2 m=19
